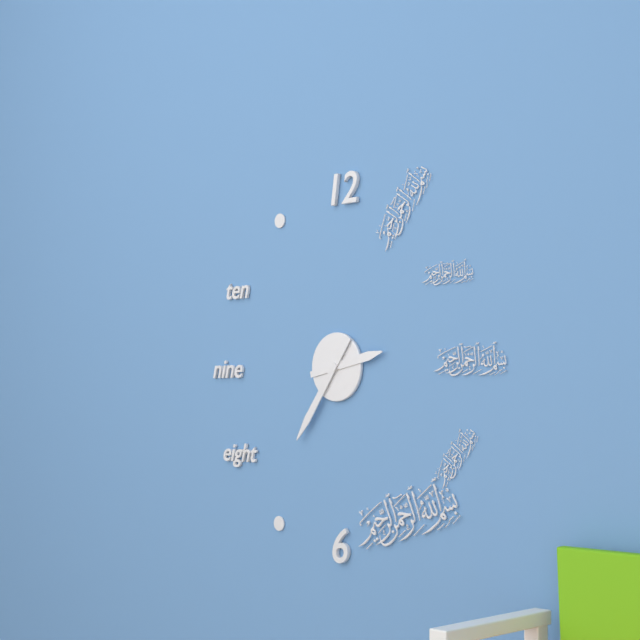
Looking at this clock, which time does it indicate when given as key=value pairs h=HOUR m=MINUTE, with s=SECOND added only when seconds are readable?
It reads h=2 m=36
